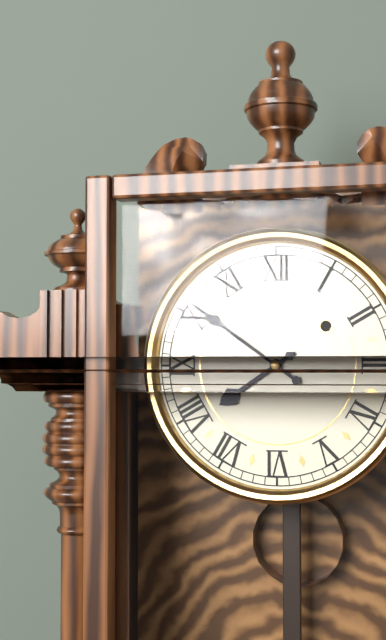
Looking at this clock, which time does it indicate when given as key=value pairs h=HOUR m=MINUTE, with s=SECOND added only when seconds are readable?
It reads h=7 m=51
